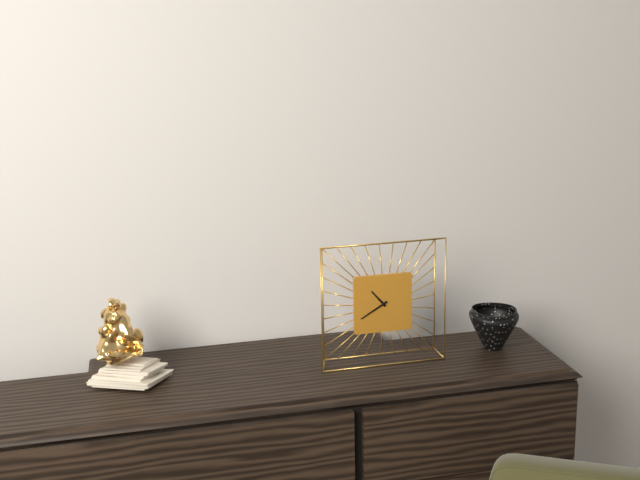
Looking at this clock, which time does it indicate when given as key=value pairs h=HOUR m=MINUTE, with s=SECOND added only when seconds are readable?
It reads h=10 m=40
